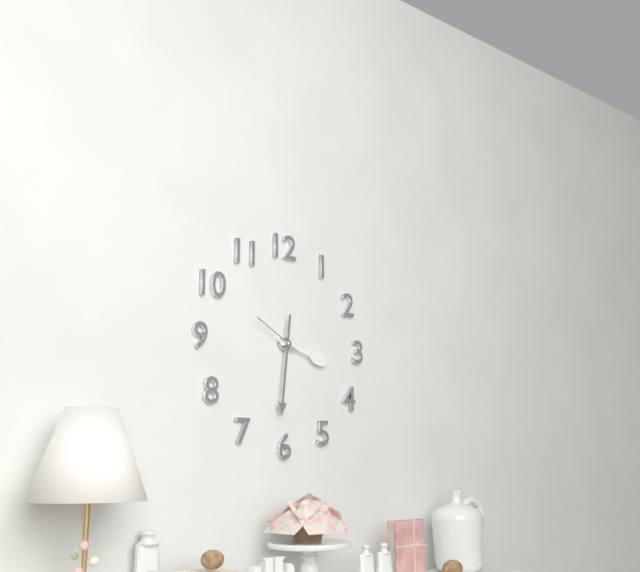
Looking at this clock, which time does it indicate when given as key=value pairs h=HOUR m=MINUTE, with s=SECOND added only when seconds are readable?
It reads h=3 m=31 s=50
